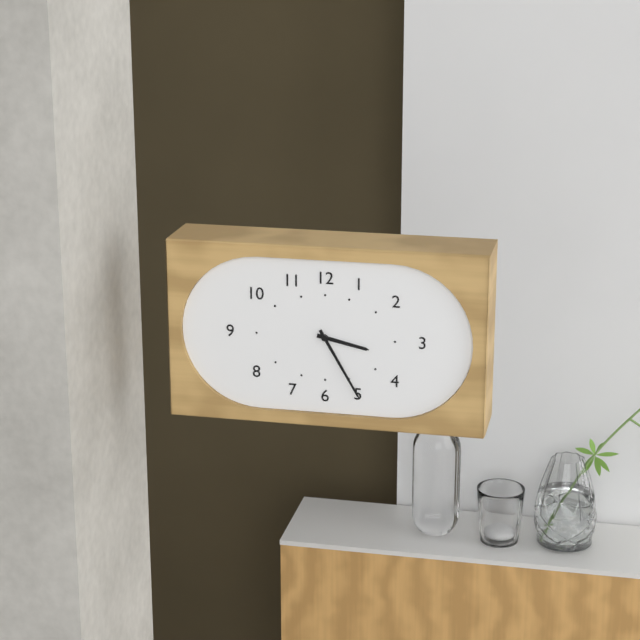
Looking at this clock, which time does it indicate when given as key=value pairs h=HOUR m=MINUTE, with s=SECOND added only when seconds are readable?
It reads h=3 m=25
